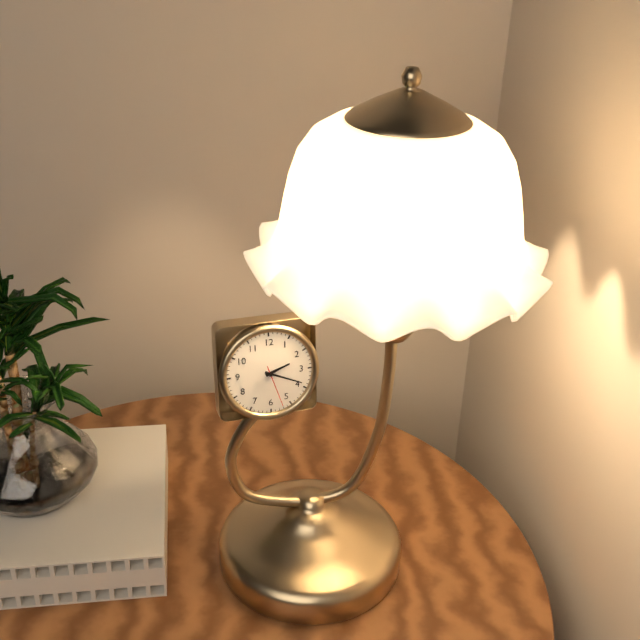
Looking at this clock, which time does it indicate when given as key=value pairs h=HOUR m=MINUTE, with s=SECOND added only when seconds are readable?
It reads h=2 m=19
